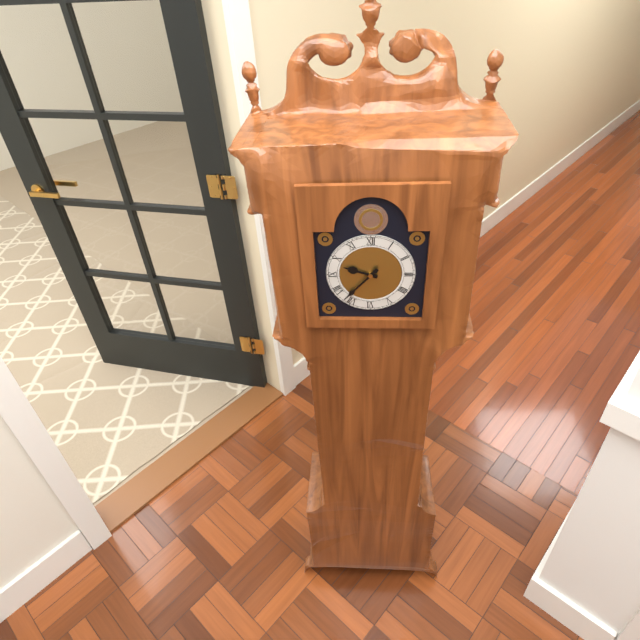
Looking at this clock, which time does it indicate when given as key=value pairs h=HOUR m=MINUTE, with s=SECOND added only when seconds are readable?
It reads h=9 m=37
